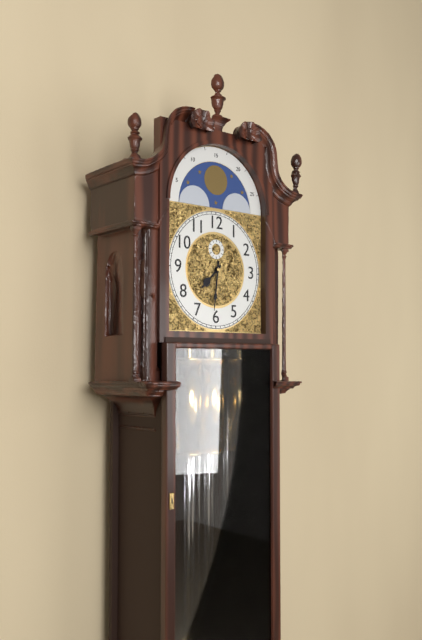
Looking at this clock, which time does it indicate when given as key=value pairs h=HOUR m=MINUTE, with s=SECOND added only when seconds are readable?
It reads h=7 m=31
